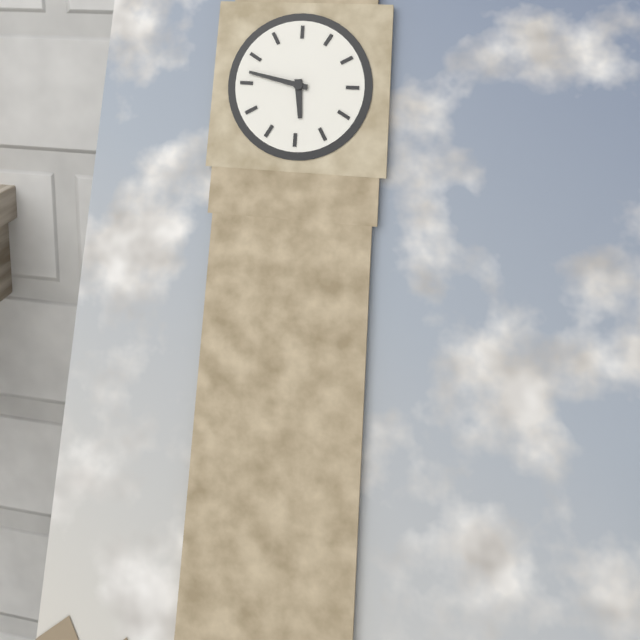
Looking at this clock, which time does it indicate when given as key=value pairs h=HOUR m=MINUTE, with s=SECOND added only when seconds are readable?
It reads h=5 m=47
